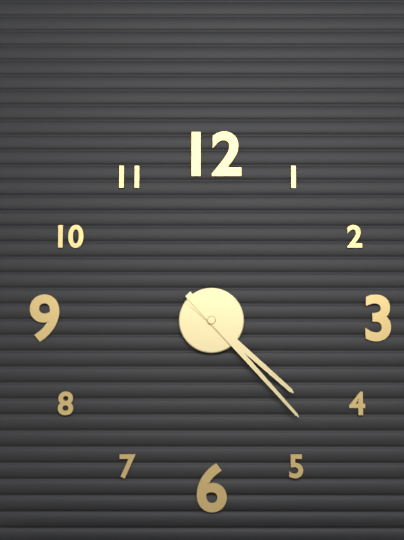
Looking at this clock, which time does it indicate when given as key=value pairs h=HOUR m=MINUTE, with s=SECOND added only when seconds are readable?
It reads h=4 m=23
